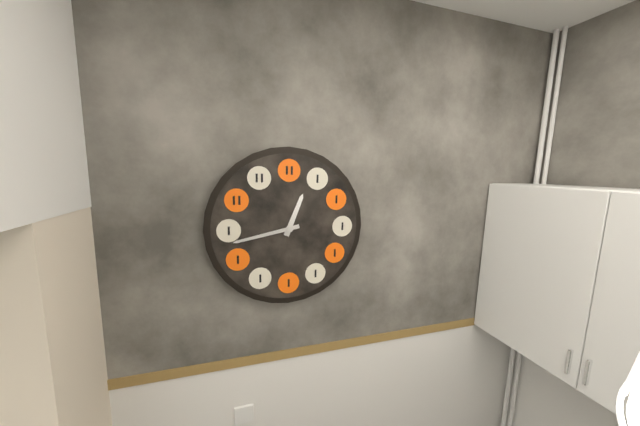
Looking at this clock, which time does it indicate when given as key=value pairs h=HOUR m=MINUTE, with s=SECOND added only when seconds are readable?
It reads h=12 m=43
